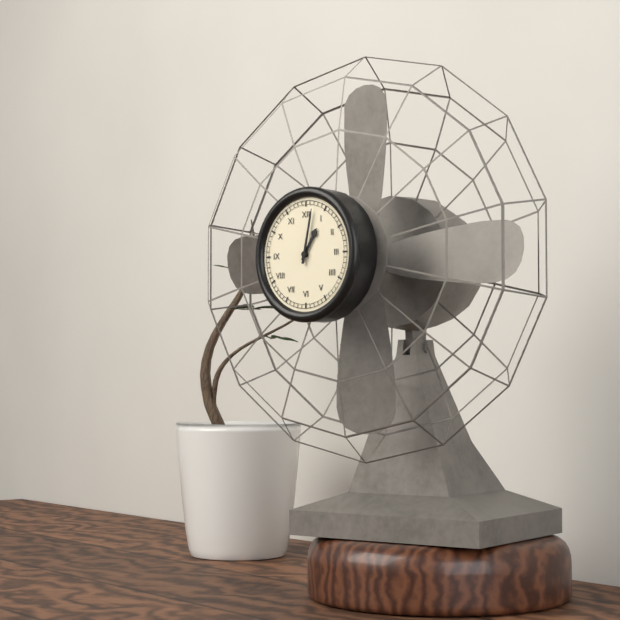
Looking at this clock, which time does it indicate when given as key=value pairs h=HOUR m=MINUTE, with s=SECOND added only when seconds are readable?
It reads h=1 m=2
